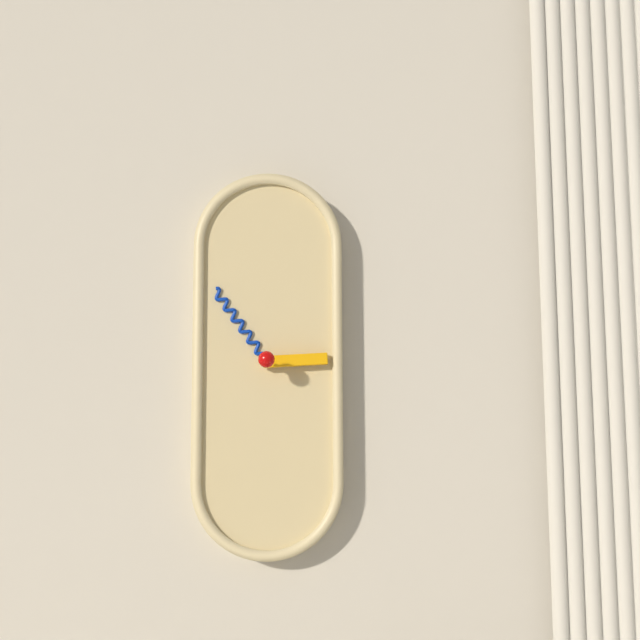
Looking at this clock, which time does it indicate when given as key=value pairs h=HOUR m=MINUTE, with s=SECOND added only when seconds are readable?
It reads h=2 m=54
